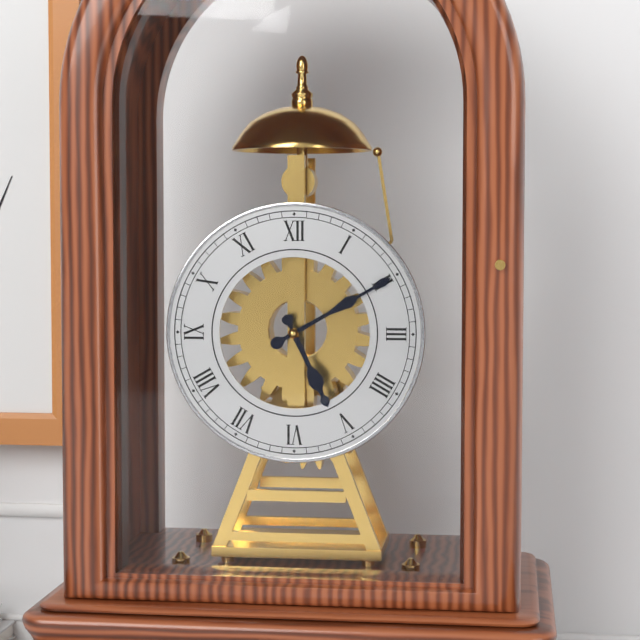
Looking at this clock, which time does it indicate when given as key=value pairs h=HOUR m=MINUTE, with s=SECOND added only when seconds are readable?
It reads h=5 m=10
